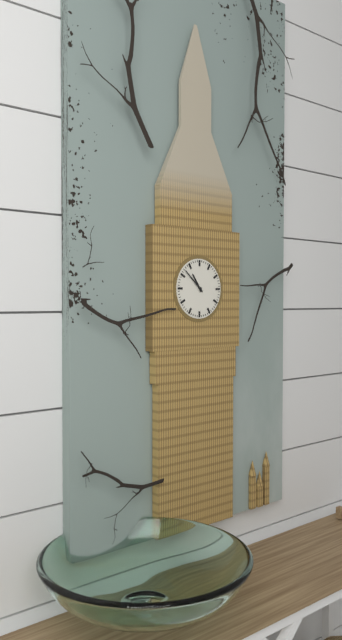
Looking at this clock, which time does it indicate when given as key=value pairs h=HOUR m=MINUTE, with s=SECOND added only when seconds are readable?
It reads h=10 m=52
